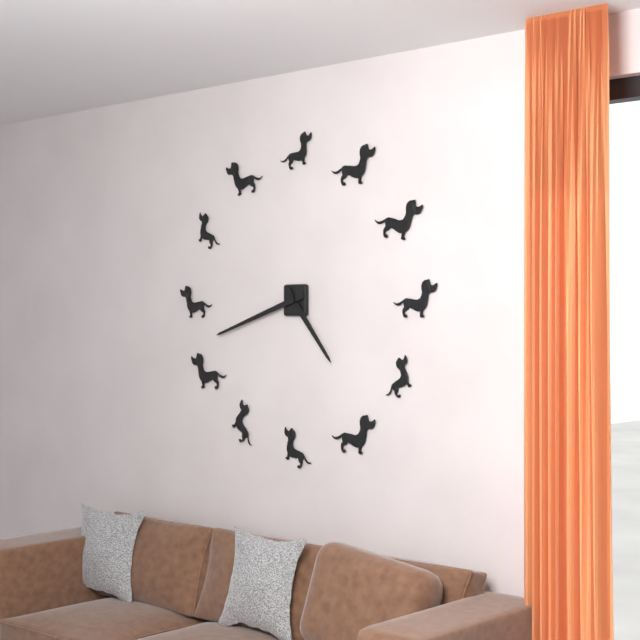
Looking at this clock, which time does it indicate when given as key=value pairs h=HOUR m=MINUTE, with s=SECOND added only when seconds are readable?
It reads h=4 m=42
